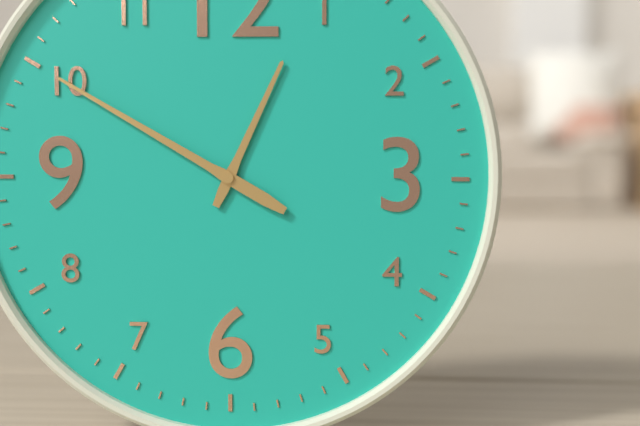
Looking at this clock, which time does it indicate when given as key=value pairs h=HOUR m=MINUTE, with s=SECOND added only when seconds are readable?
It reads h=12 m=50
